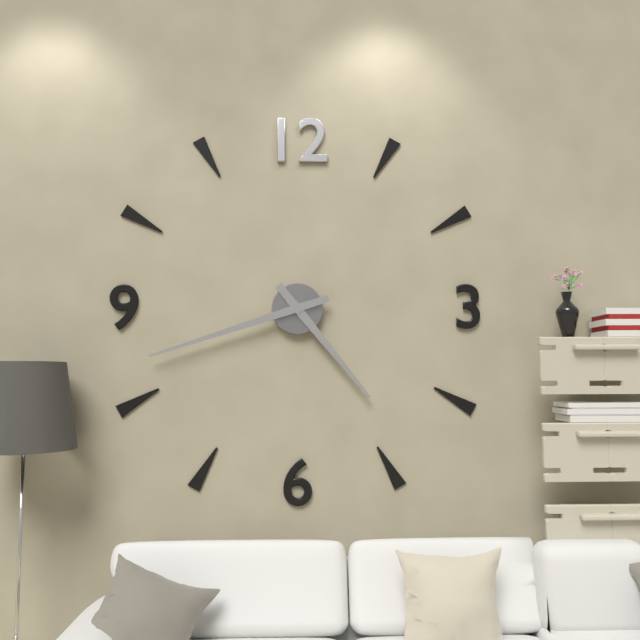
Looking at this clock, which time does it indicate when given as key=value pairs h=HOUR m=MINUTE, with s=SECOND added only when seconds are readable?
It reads h=4 m=42
